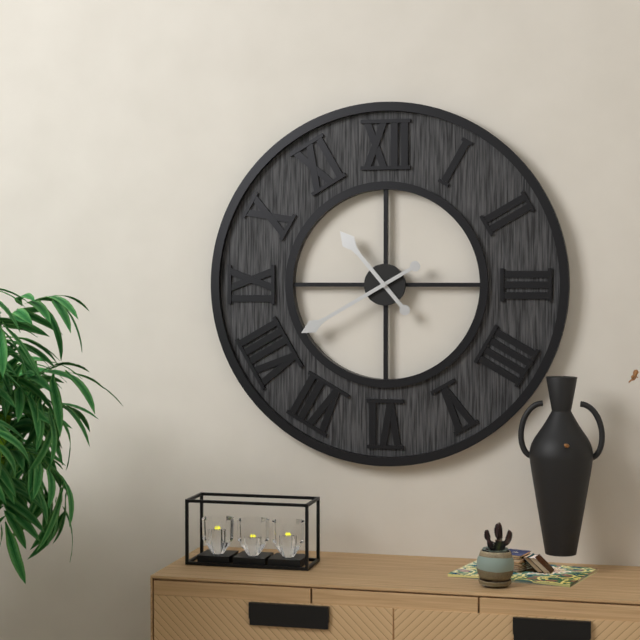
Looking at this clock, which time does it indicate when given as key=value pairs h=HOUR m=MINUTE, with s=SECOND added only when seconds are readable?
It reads h=10 m=40
